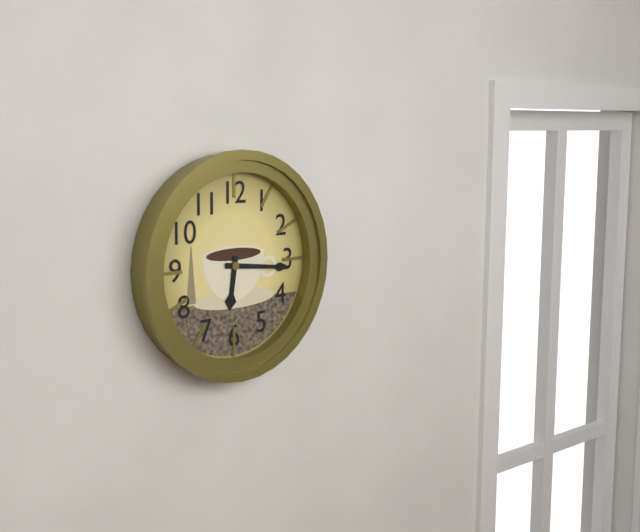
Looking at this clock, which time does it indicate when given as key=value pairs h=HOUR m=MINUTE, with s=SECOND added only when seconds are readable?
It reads h=6 m=16
